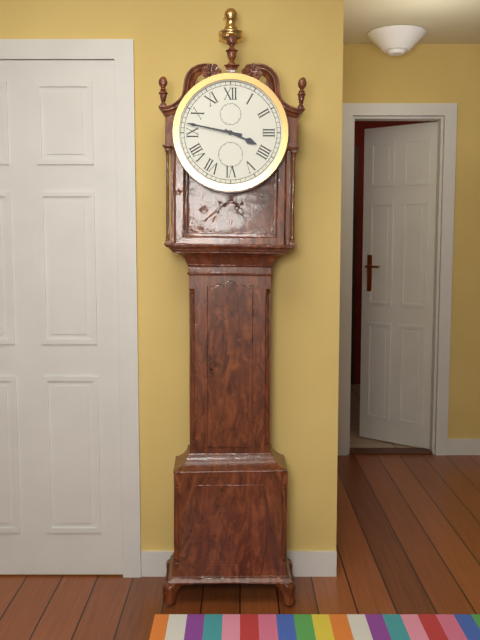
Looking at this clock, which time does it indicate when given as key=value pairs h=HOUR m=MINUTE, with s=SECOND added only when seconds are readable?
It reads h=3 m=47
